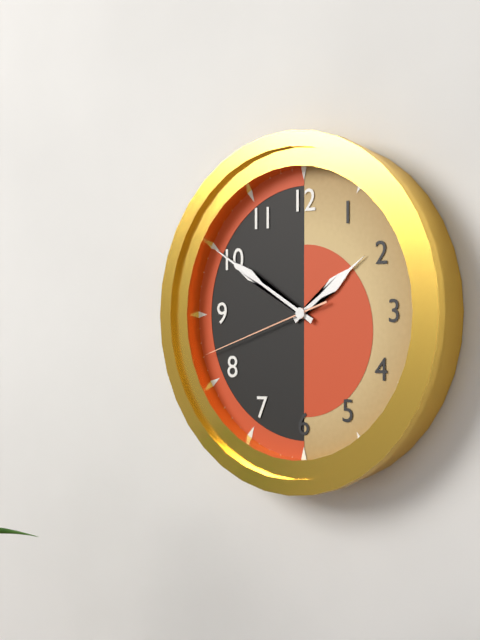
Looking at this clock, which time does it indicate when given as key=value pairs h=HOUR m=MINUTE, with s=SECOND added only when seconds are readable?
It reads h=1 m=50 s=42
